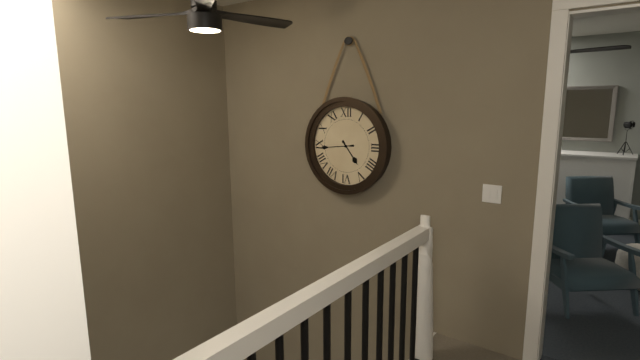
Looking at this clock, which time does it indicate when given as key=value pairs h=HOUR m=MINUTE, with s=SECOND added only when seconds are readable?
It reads h=4 m=44
